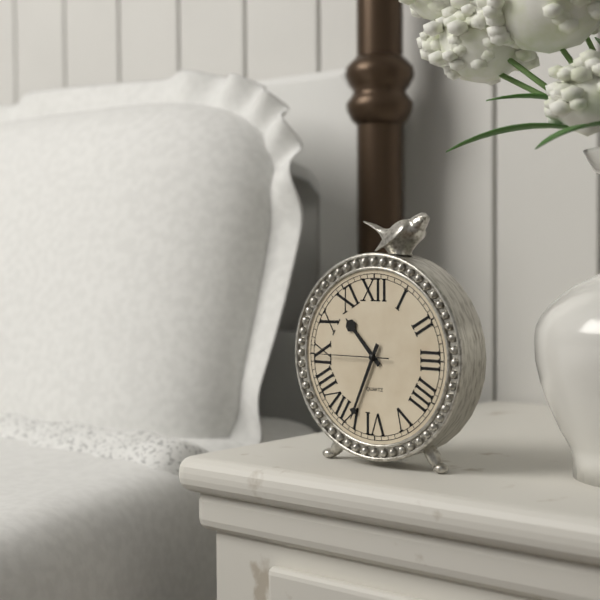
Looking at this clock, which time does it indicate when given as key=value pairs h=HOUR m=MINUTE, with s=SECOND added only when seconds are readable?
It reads h=10 m=34 s=45
